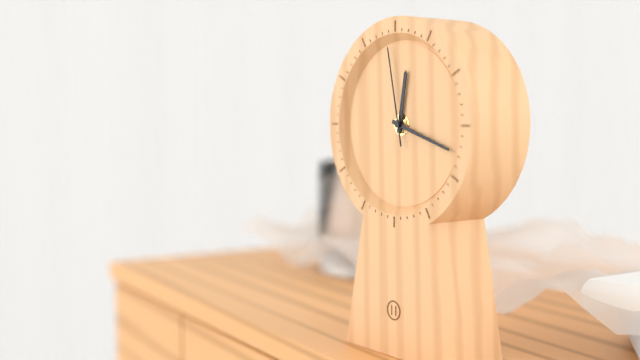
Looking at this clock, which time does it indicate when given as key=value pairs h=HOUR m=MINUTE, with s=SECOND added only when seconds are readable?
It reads h=12 m=18 s=58
